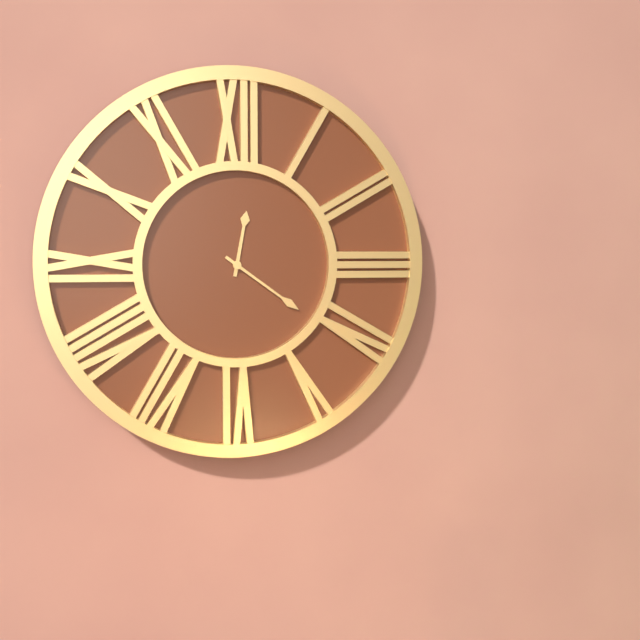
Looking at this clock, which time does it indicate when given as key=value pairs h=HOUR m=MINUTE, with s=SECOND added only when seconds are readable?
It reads h=12 m=21
